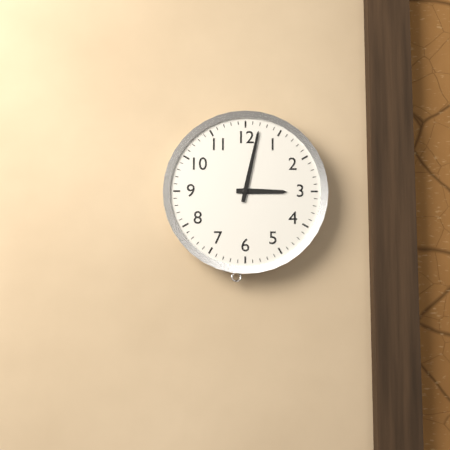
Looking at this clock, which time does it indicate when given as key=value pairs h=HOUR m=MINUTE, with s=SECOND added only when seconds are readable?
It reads h=3 m=2
